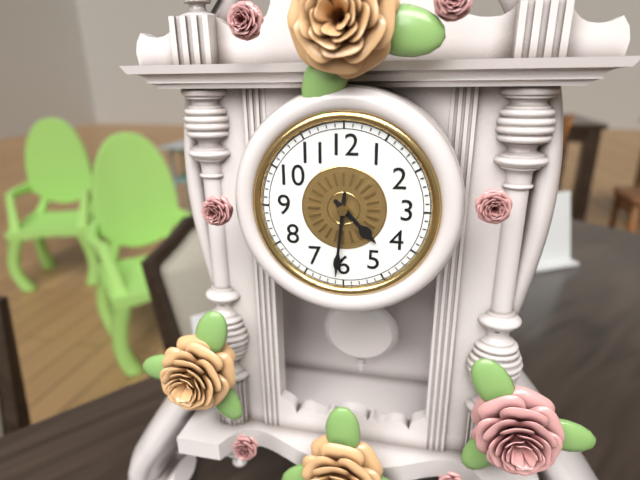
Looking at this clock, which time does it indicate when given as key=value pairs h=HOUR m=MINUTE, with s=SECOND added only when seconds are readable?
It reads h=4 m=31
